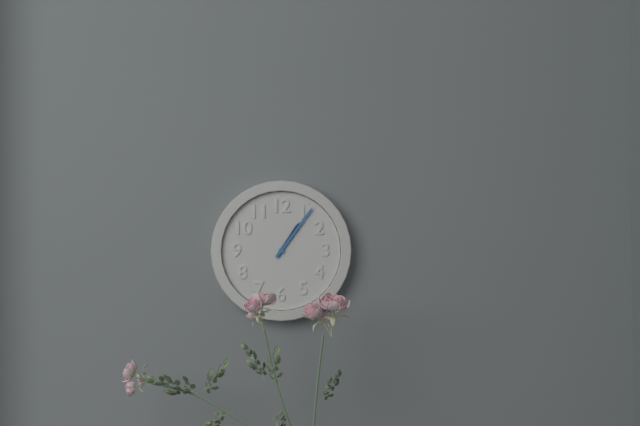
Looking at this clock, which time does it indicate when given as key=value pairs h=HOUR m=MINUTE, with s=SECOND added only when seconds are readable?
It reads h=1 m=6
